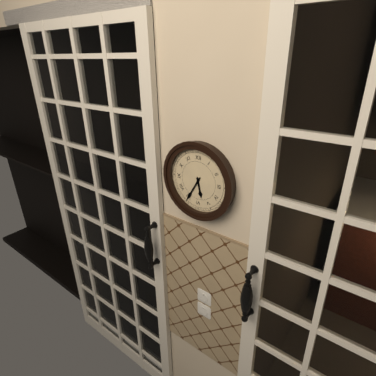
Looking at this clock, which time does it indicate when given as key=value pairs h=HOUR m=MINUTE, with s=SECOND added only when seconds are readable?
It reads h=5 m=35
